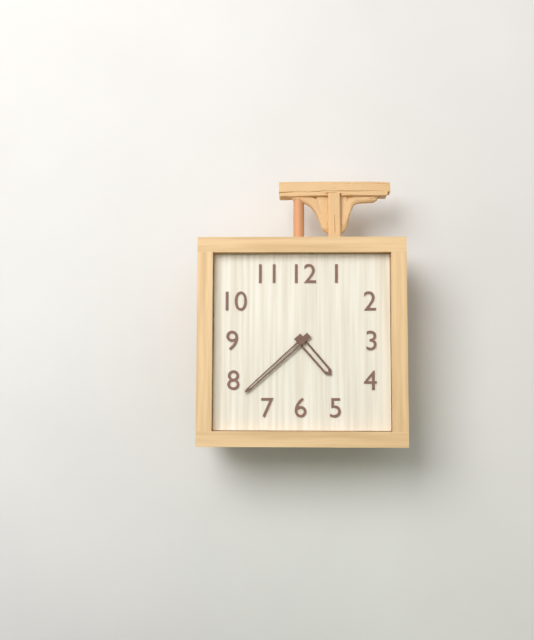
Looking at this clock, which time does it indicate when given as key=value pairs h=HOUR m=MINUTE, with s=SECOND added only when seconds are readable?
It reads h=4 m=38
